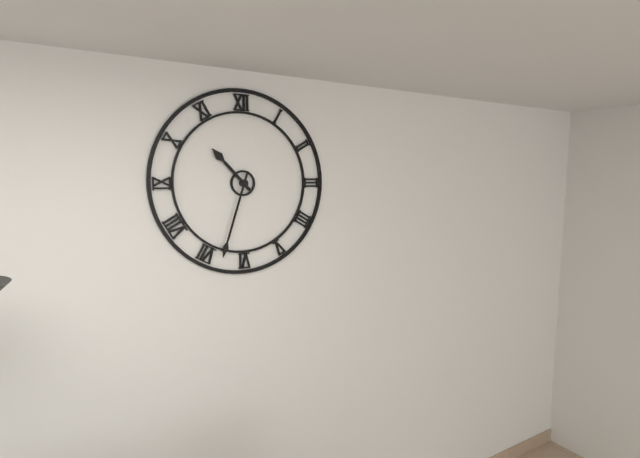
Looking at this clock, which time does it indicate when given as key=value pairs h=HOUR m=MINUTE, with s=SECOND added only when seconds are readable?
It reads h=10 m=33
